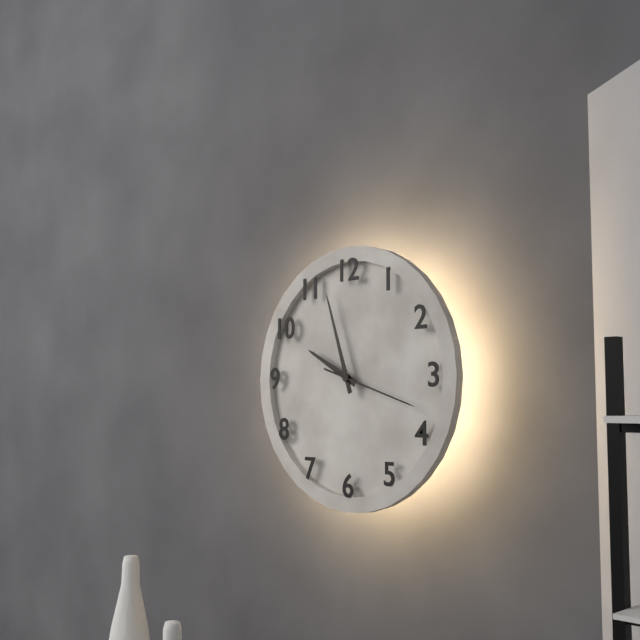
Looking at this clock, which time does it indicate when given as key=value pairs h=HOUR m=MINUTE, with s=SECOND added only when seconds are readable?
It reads h=9 m=57 s=18
